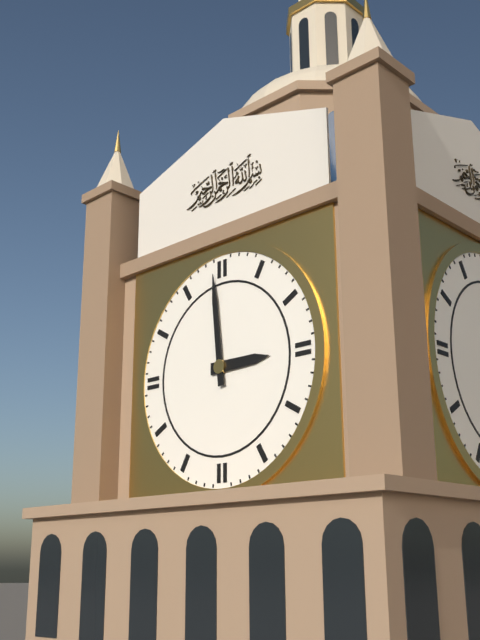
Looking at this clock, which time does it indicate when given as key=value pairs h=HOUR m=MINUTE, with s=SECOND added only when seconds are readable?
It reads h=2 m=59
